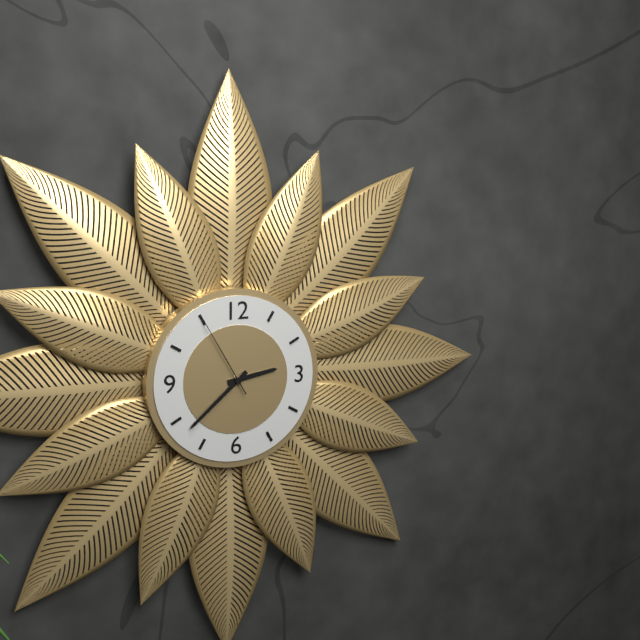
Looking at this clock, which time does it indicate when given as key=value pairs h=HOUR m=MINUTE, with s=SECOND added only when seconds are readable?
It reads h=2 m=38 s=55
